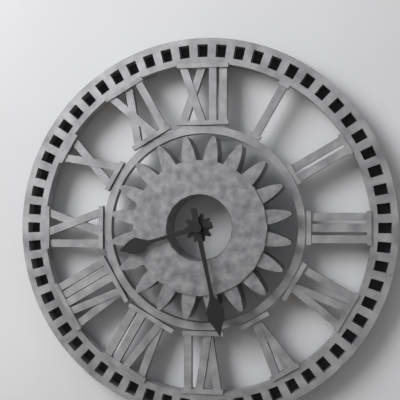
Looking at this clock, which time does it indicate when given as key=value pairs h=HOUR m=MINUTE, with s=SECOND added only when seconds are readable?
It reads h=8 m=28
